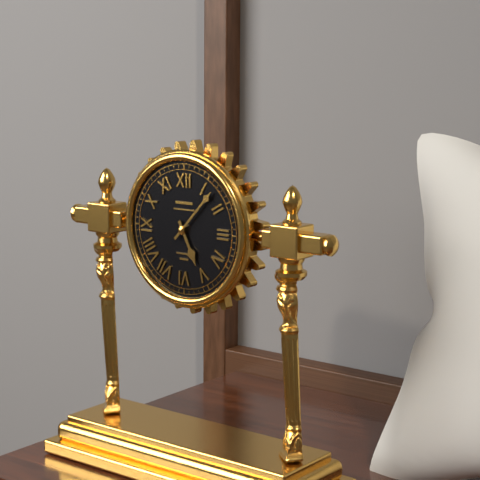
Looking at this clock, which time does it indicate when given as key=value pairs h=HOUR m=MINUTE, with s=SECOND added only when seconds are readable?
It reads h=5 m=7
